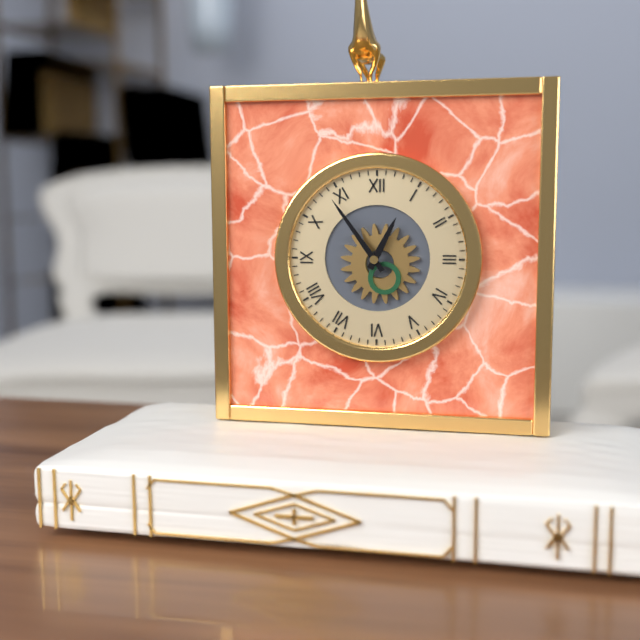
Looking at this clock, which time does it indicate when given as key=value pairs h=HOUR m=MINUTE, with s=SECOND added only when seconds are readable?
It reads h=12 m=54
